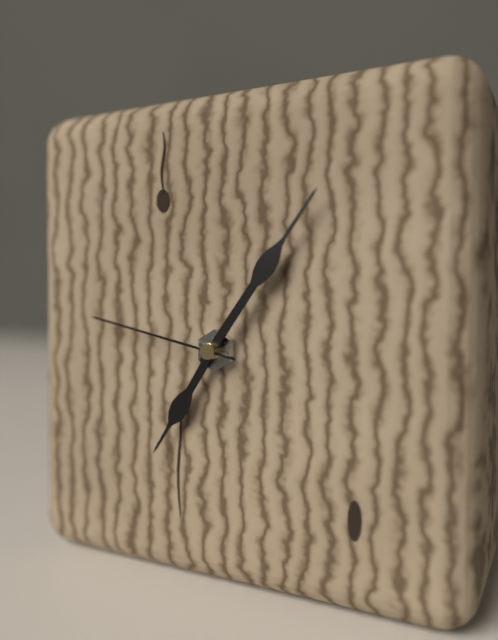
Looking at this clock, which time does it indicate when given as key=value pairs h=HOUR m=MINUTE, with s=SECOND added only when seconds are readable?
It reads h=7 m=6 s=47
